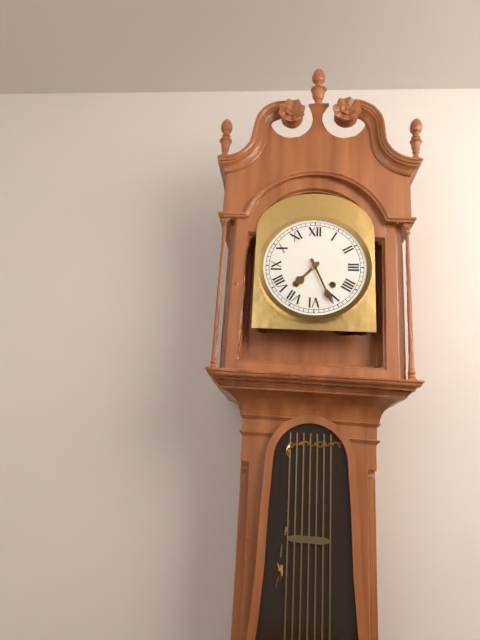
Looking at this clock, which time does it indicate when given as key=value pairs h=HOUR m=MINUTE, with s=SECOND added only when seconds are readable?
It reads h=7 m=26
